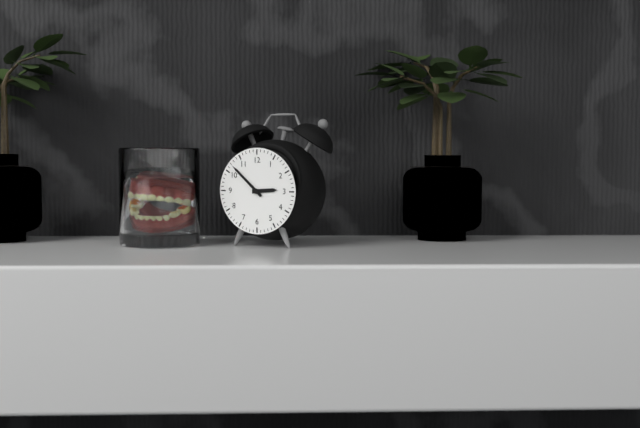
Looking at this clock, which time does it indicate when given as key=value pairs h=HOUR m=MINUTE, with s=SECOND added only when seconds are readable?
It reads h=2 m=52
